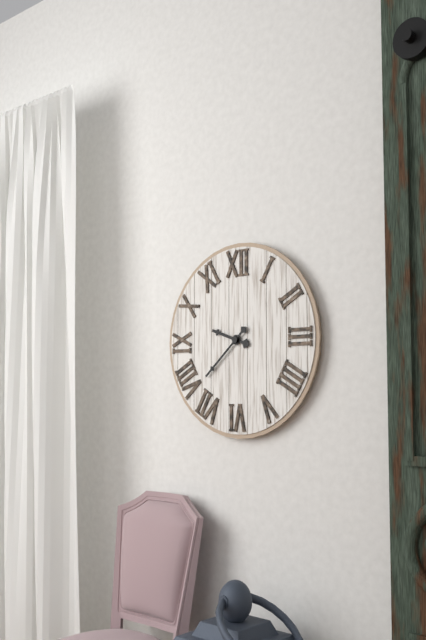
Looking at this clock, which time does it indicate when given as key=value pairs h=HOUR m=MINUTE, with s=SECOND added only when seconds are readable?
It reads h=9 m=38
